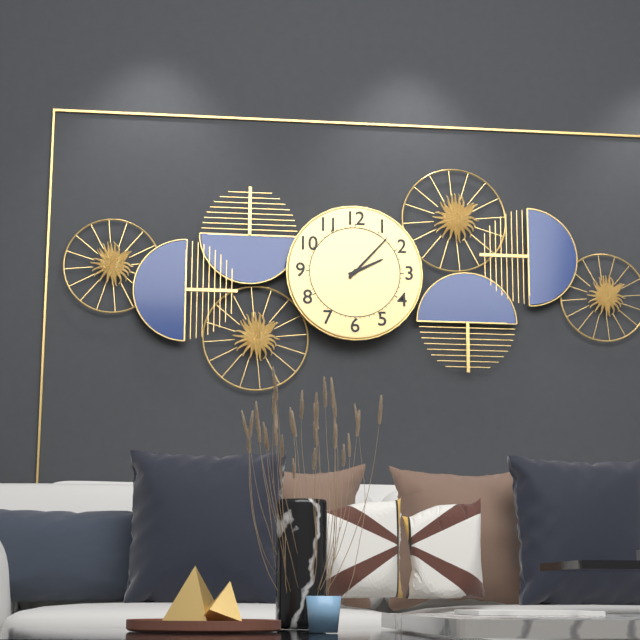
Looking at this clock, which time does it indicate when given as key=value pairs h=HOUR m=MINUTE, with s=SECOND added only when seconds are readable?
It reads h=2 m=7
